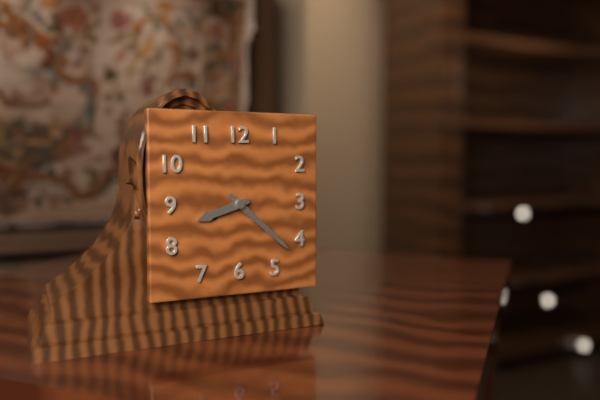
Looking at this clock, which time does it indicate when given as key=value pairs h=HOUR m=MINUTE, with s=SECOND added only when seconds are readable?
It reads h=8 m=22
